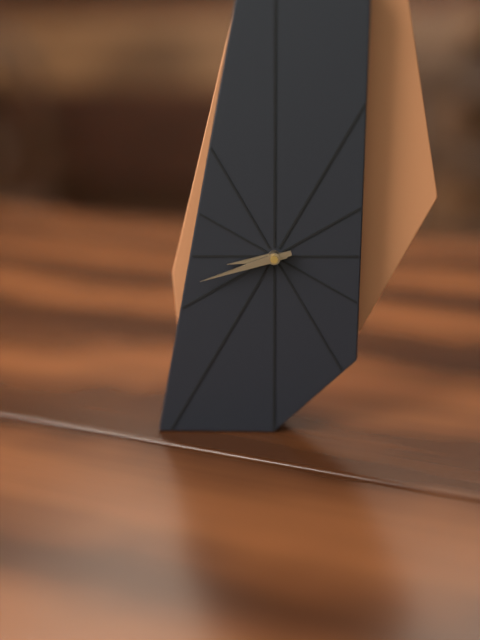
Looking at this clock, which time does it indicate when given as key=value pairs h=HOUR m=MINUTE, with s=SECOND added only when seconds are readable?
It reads h=8 m=42
